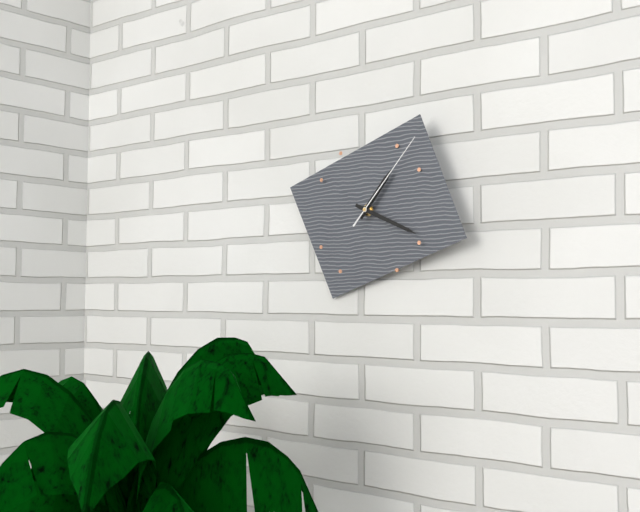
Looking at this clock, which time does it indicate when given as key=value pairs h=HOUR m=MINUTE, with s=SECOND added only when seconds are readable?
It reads h=1 m=19 s=7
